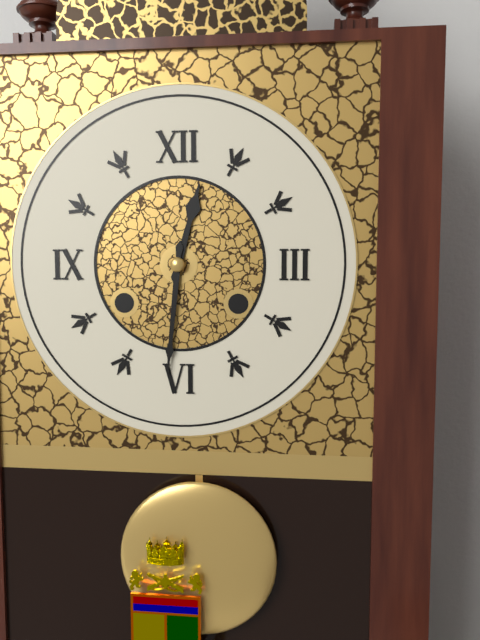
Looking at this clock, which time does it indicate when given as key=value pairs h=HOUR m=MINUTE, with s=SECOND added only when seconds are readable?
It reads h=12 m=31
